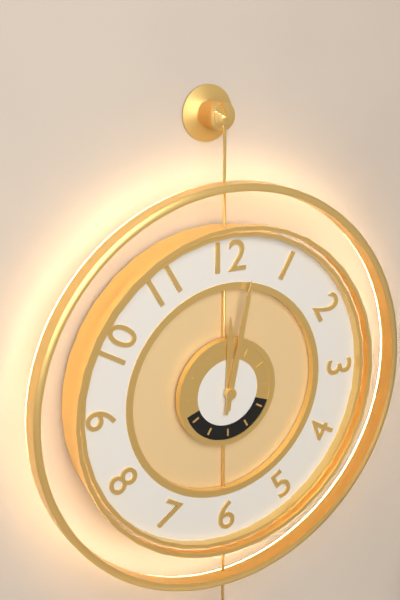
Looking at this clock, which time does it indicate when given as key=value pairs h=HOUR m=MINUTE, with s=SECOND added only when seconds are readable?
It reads h=12 m=2
